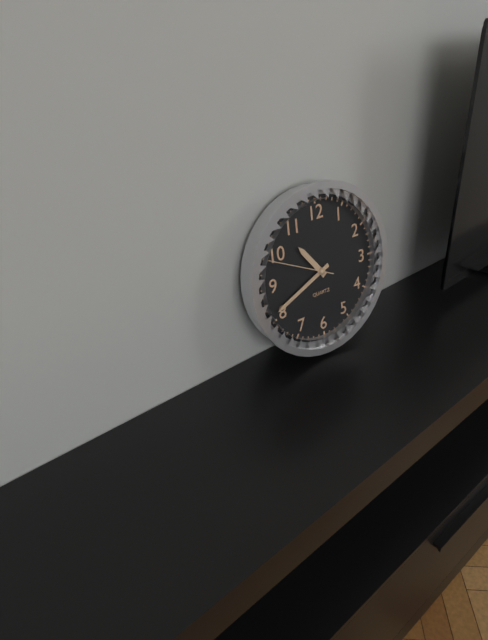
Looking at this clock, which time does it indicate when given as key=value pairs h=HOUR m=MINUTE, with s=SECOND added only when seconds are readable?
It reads h=10 m=41 s=49
